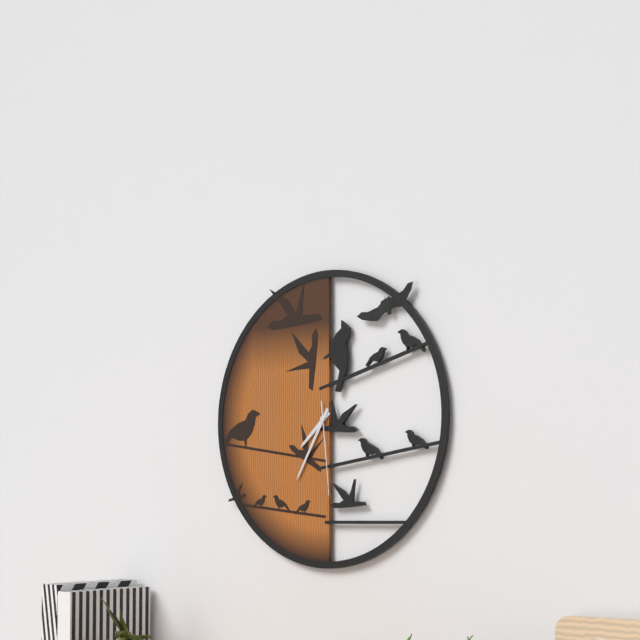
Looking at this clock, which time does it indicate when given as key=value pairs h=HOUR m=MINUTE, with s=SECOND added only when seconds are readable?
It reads h=7 m=35 s=29
